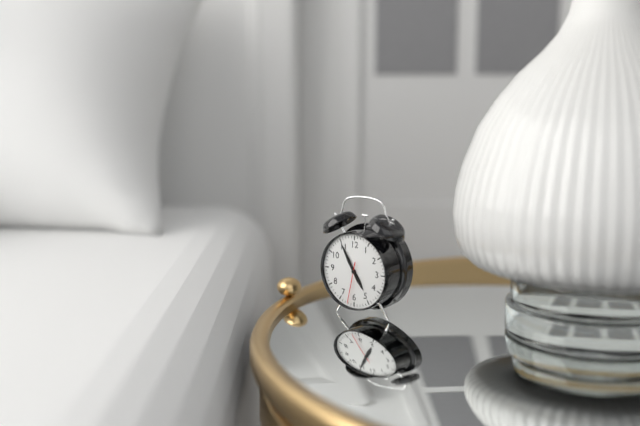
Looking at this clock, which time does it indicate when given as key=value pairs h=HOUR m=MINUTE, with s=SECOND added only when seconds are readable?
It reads h=4 m=55
